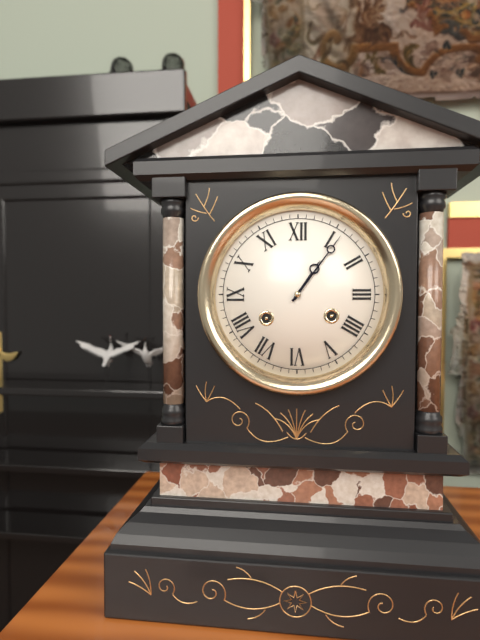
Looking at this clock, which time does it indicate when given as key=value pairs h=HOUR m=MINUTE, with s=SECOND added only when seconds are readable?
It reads h=1 m=6
